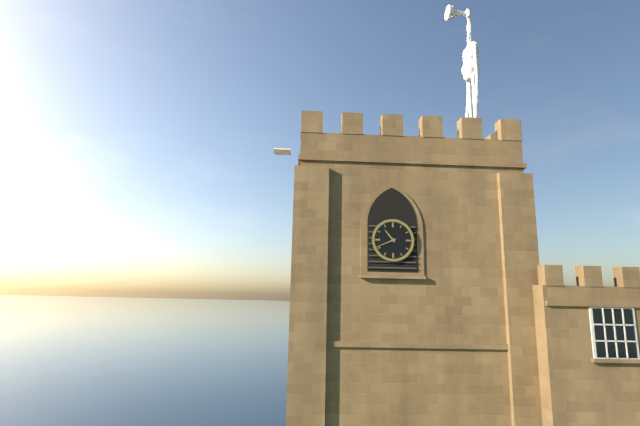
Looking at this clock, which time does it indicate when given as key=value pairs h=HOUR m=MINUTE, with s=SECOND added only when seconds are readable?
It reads h=10 m=41
